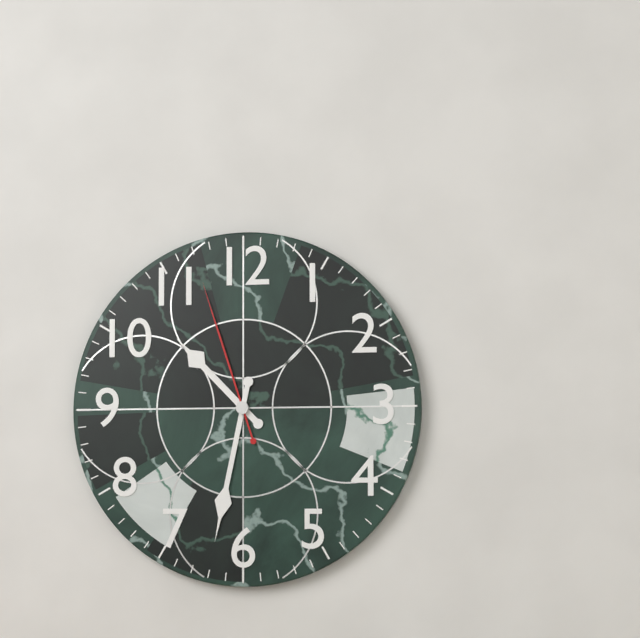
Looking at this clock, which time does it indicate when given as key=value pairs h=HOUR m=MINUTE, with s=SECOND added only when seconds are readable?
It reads h=10 m=32 s=57
